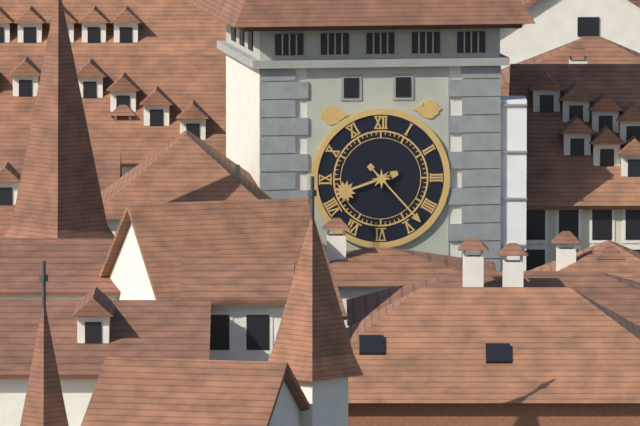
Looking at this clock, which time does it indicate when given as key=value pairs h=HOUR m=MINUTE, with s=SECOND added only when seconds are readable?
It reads h=8 m=23
